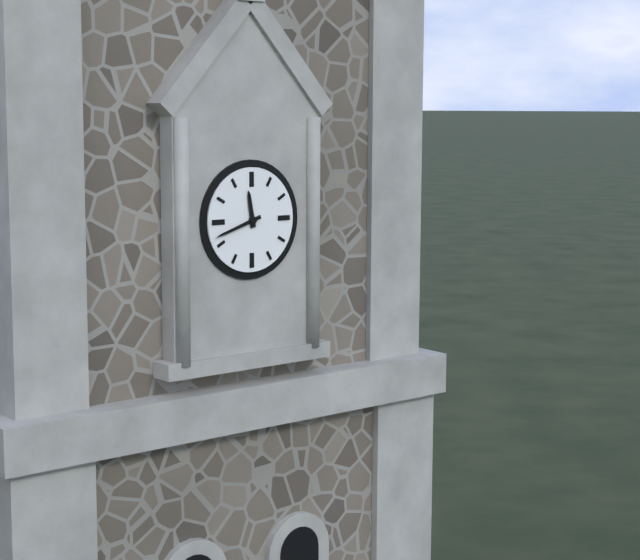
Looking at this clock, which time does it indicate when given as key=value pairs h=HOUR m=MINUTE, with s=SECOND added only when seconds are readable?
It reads h=11 m=42
